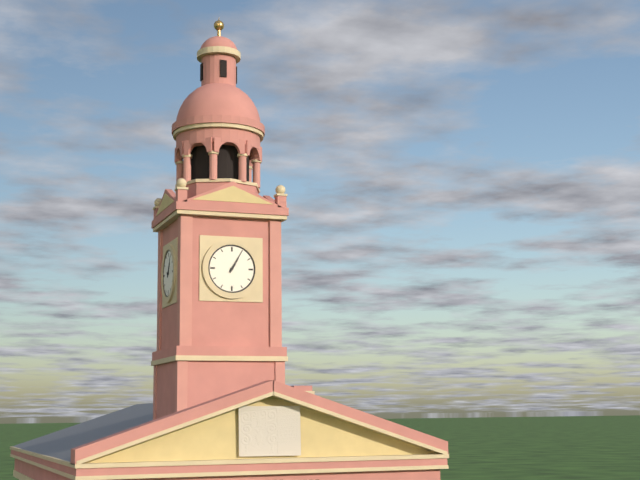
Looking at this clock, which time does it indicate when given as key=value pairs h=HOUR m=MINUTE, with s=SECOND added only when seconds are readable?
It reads h=1 m=5
